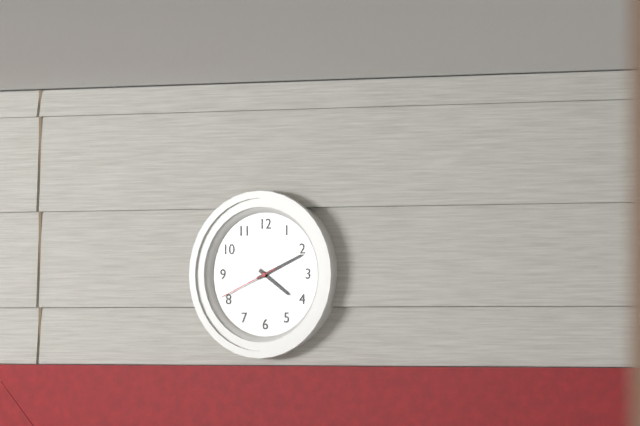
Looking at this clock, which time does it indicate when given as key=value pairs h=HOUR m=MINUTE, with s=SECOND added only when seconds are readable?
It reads h=4 m=11 s=41
